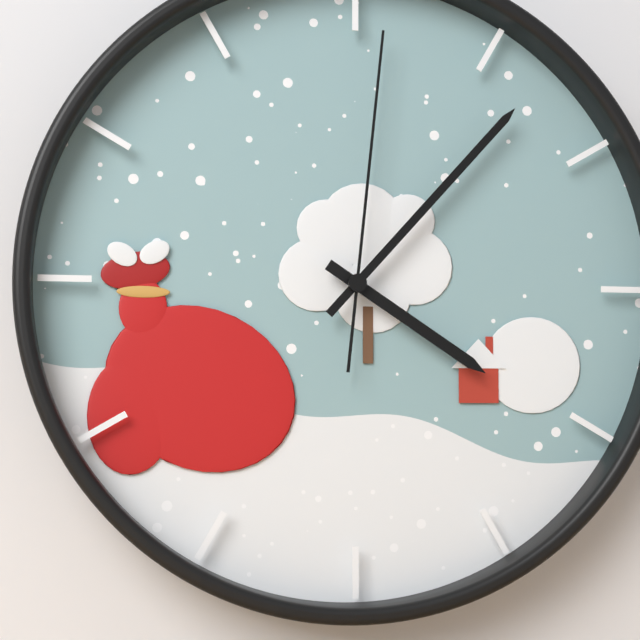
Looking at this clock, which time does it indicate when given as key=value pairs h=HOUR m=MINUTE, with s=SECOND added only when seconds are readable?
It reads h=4 m=7 s=1
